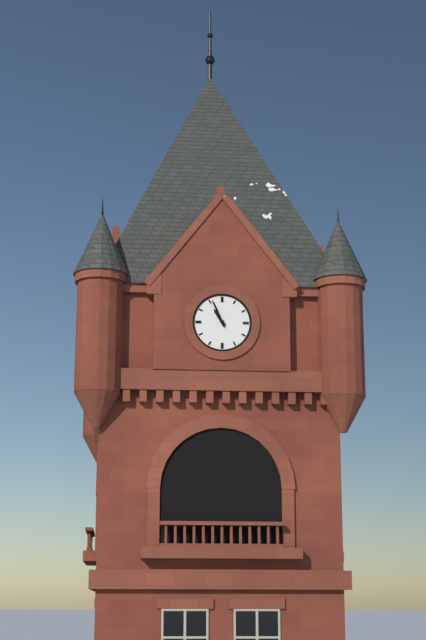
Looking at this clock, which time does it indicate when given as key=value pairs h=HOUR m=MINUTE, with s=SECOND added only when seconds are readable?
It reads h=10 m=56
